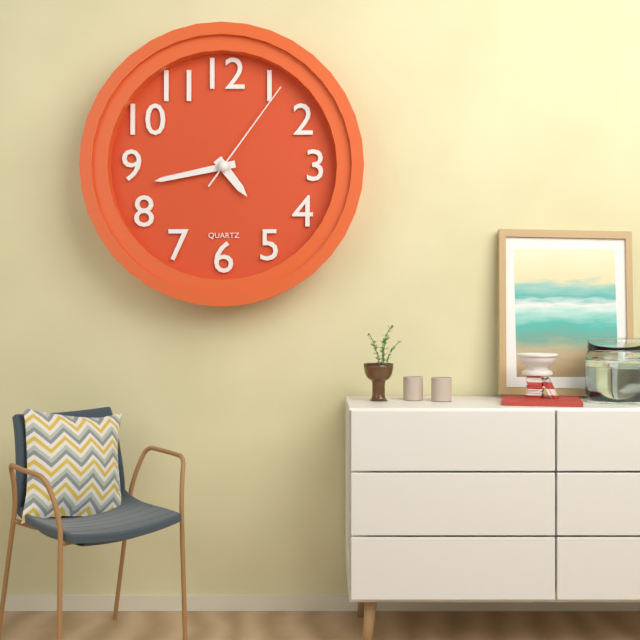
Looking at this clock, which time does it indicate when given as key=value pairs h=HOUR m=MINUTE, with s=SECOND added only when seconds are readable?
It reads h=4 m=43 s=6
